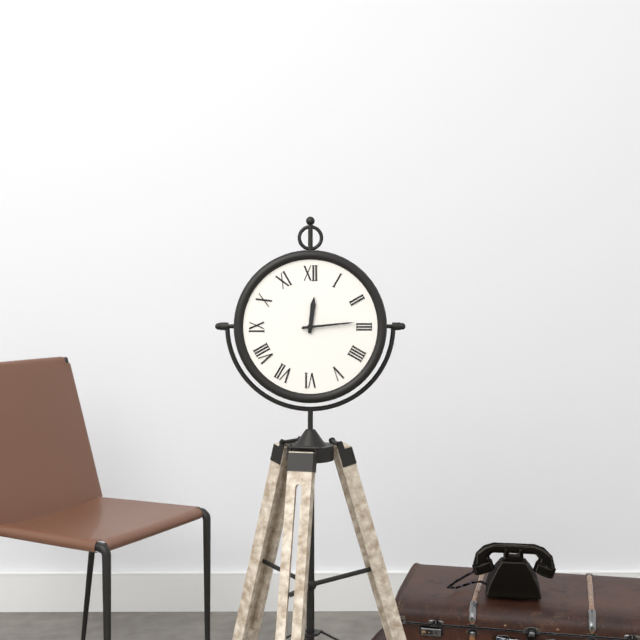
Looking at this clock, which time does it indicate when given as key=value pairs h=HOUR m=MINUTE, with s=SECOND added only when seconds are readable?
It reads h=12 m=14
